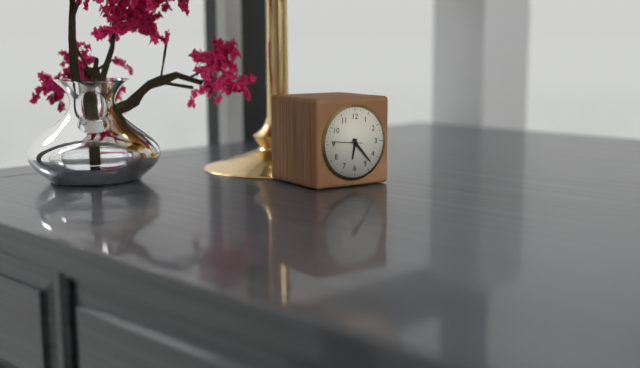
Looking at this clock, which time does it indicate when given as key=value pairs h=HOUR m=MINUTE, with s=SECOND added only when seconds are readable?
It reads h=6 m=23
